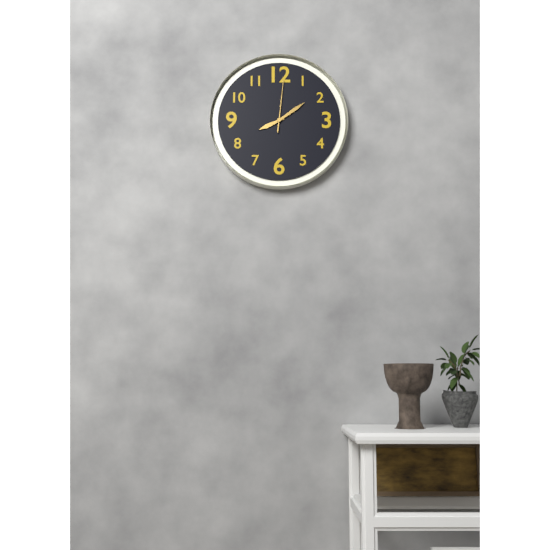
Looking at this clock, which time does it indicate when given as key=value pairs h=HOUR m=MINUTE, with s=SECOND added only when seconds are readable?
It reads h=8 m=9 s=1
